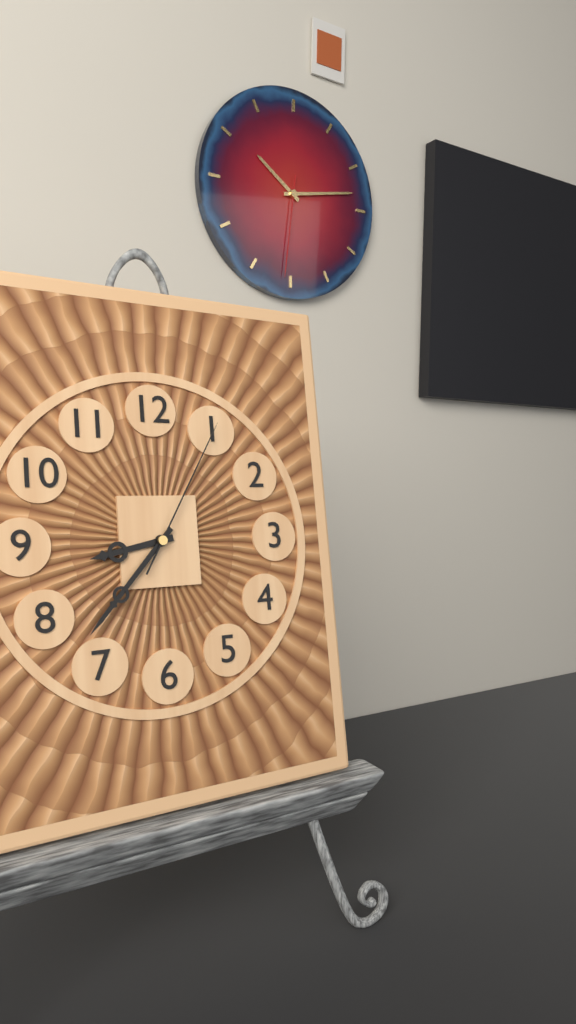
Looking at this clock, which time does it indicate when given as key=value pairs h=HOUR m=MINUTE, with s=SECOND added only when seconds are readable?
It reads h=8 m=37 s=5
